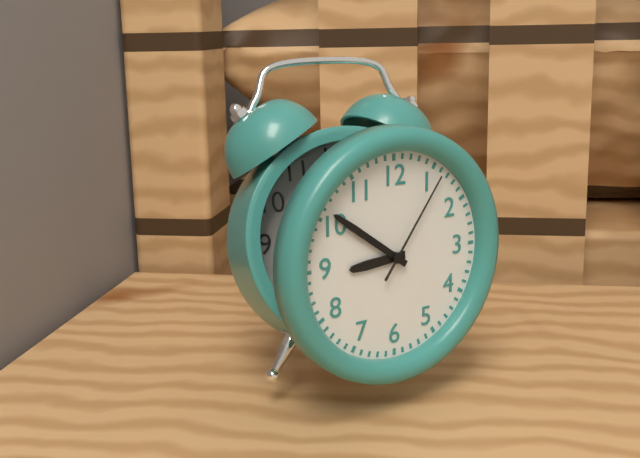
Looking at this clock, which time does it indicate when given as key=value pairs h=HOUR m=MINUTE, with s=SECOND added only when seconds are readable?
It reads h=8 m=51 s=6
